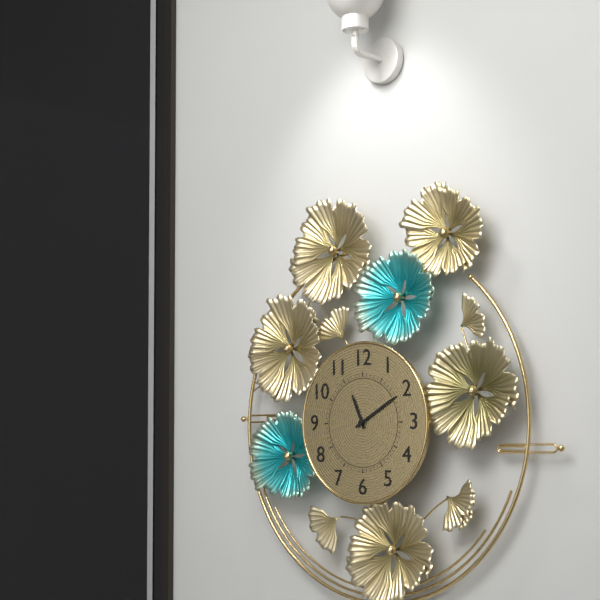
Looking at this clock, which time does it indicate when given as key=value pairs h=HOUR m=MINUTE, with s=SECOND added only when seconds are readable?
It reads h=11 m=10
